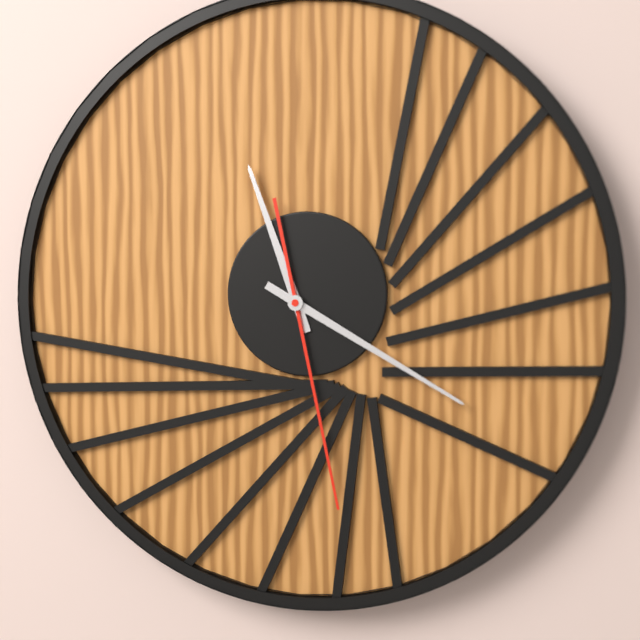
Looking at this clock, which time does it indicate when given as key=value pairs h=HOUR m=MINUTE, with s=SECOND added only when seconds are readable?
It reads h=11 m=20 s=28
